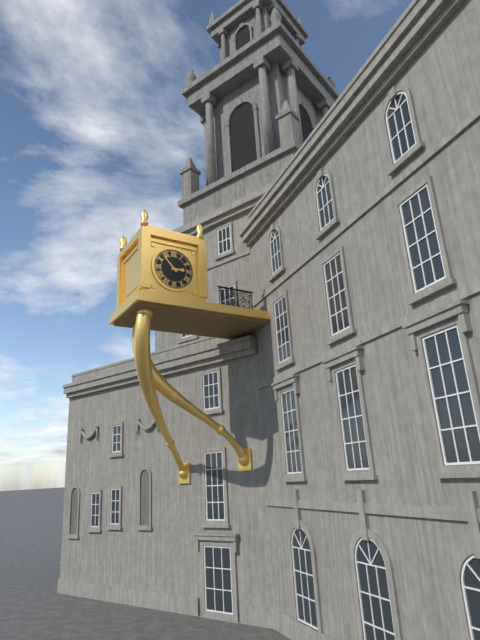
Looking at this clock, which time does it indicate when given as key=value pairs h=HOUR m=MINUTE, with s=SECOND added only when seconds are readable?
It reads h=2 m=53
